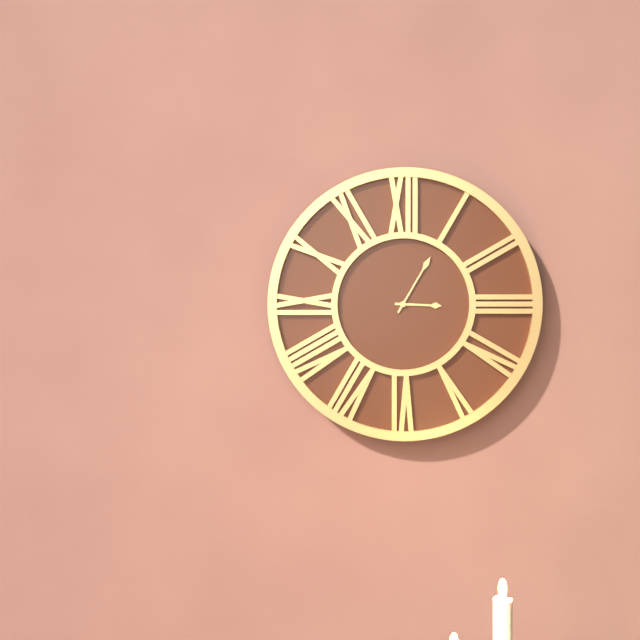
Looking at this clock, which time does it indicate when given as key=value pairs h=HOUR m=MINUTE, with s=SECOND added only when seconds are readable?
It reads h=3 m=5
